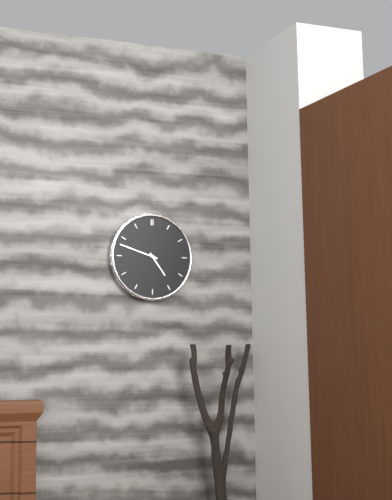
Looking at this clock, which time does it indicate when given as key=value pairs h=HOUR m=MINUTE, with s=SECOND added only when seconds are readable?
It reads h=4 m=48
